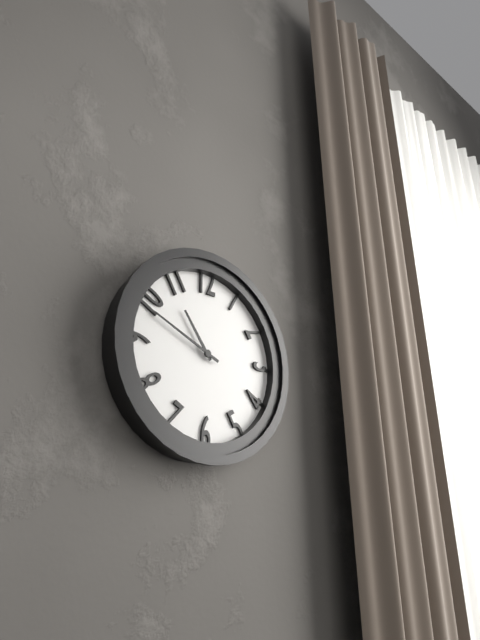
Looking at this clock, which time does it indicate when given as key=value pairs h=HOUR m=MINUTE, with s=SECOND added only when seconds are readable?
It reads h=10 m=49
